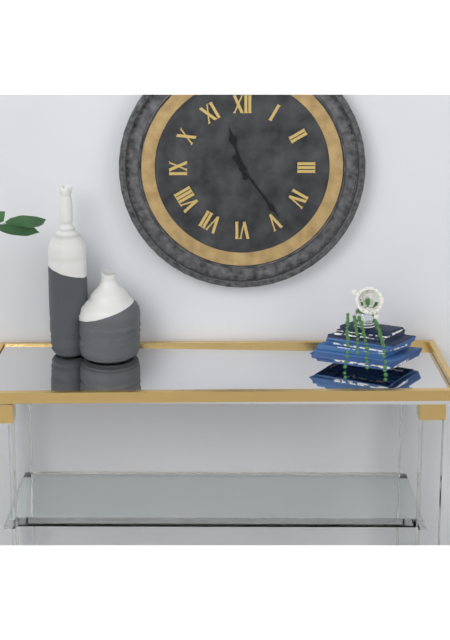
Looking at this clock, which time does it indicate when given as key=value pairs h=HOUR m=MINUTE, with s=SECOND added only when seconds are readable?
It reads h=11 m=24
